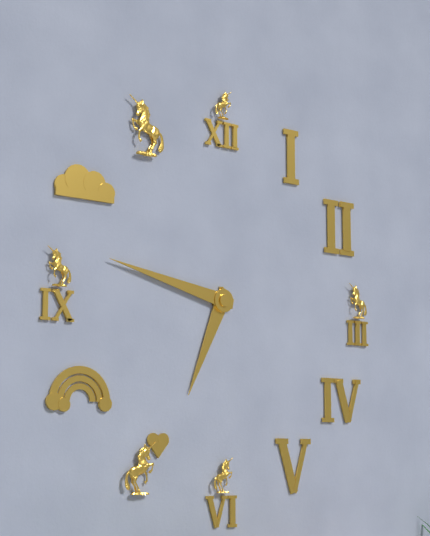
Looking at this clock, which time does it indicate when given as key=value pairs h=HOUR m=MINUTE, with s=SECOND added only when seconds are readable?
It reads h=6 m=47
